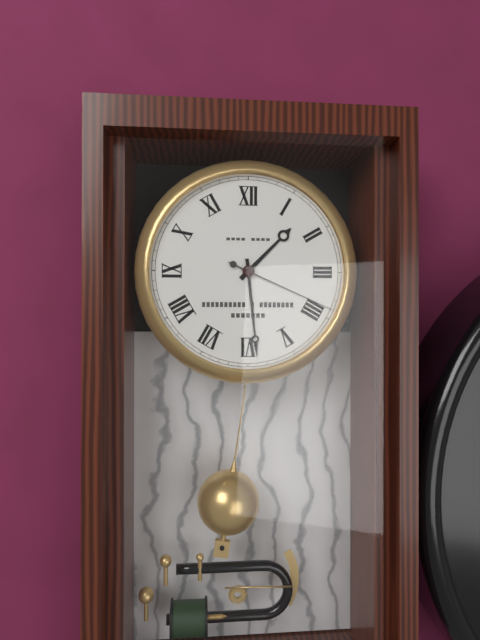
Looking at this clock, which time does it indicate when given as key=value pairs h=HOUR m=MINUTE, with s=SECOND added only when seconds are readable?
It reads h=1 m=29 s=19
